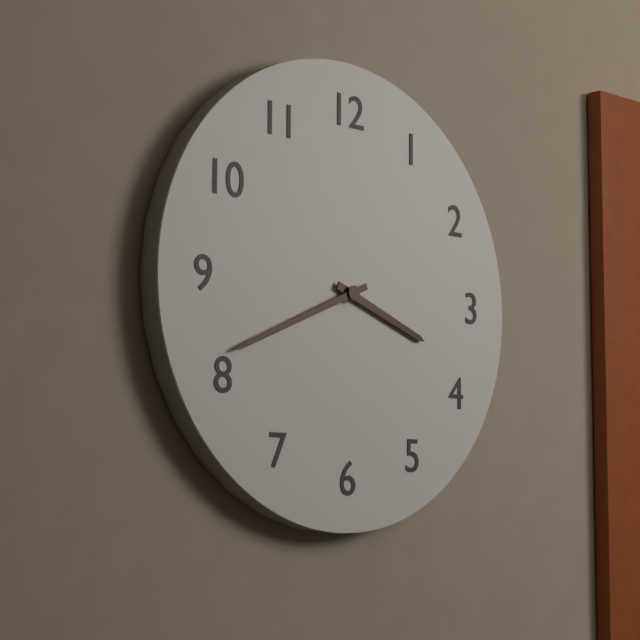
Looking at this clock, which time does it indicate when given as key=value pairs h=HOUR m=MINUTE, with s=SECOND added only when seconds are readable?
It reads h=3 m=41
